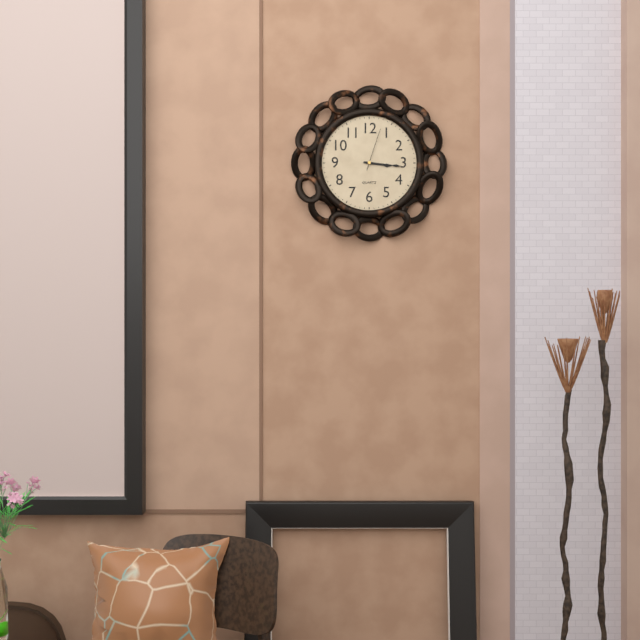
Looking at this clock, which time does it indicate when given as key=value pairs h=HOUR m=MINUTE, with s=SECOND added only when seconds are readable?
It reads h=3 m=16
